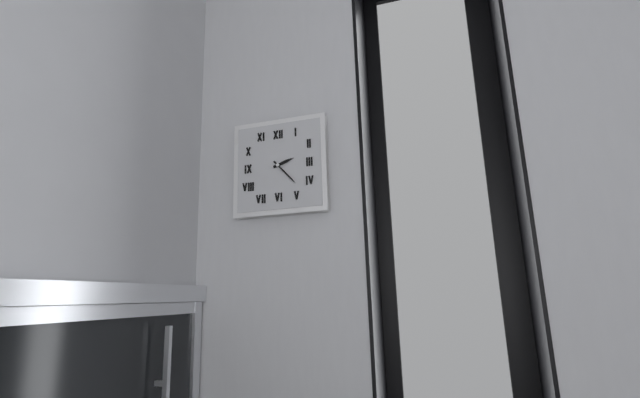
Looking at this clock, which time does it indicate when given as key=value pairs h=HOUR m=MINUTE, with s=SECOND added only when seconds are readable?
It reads h=2 m=23
